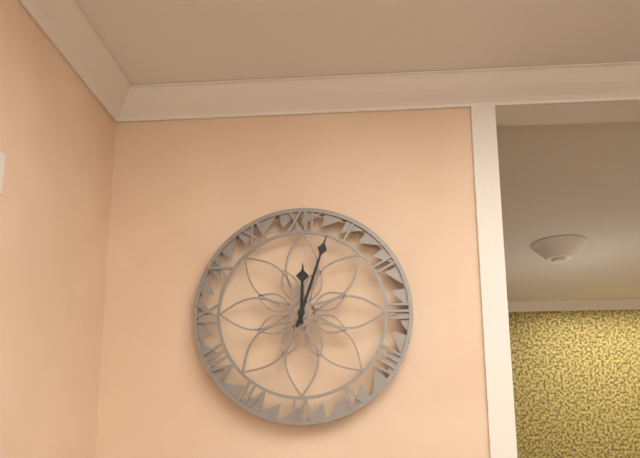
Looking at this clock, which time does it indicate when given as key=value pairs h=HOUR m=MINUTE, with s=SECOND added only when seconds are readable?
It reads h=12 m=3
